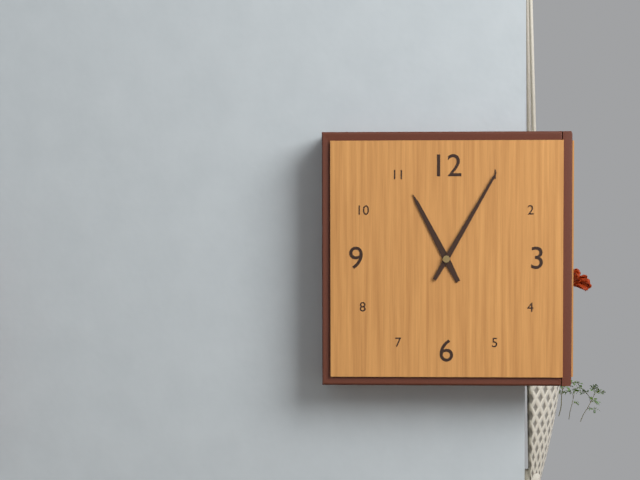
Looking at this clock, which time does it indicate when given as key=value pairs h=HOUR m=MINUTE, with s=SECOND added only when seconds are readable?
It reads h=11 m=5
